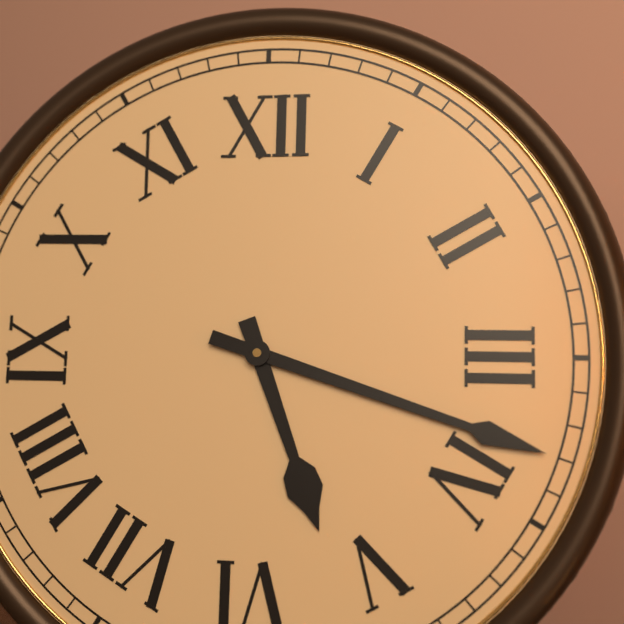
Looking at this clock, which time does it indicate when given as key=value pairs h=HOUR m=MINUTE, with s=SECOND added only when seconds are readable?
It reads h=5 m=18
